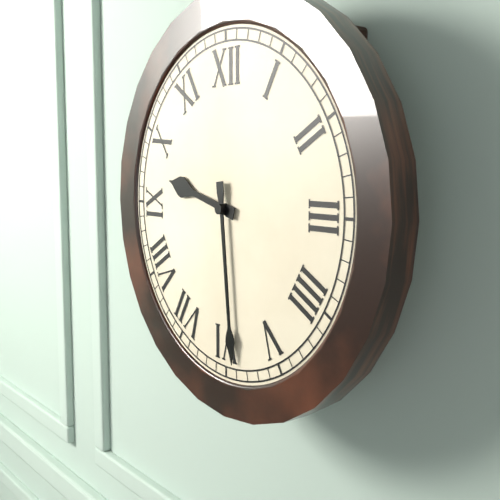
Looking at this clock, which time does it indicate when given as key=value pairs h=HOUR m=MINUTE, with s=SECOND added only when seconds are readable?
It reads h=9 m=29
